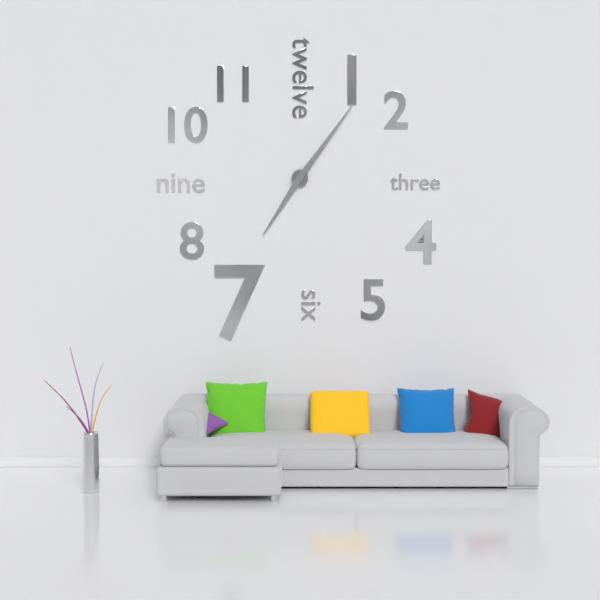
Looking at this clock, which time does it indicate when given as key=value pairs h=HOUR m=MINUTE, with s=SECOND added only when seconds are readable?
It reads h=7 m=6
